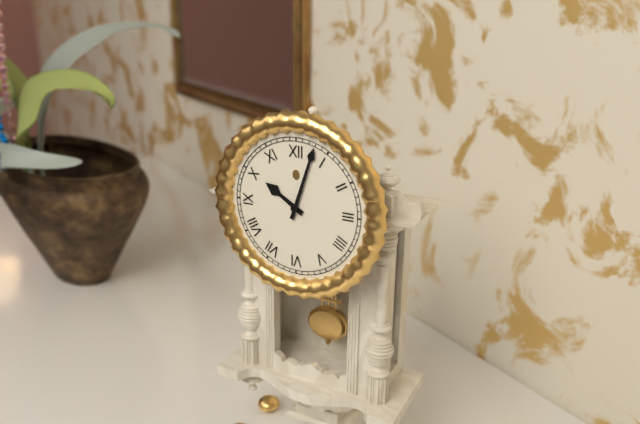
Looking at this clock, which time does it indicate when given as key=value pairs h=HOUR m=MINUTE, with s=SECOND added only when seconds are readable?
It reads h=10 m=3
